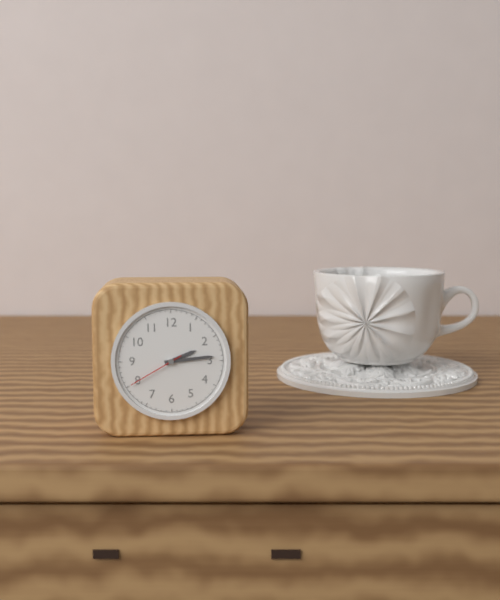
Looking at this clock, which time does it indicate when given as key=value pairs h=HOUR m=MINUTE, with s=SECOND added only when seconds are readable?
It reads h=2 m=14 s=40
